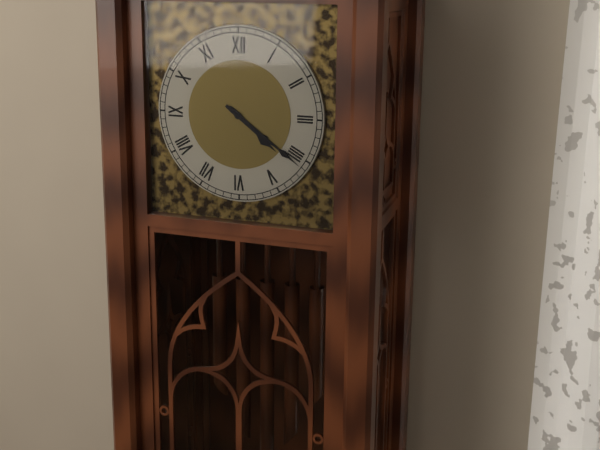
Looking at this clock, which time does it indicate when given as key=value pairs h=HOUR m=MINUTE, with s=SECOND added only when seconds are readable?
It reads h=4 m=21
